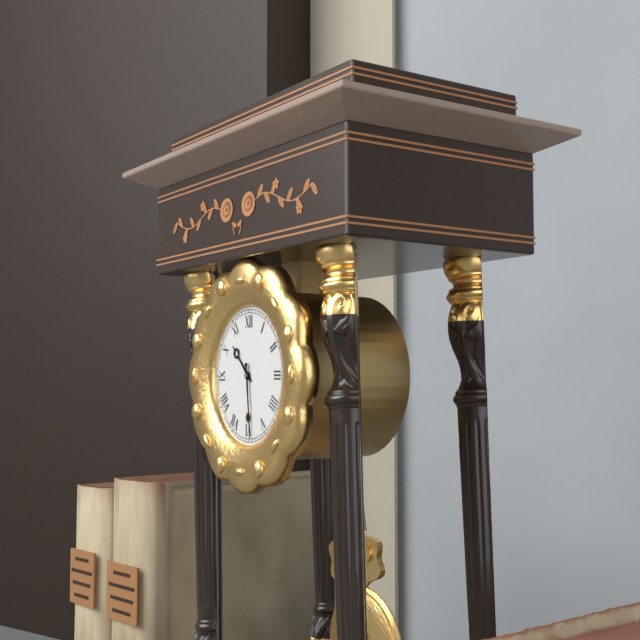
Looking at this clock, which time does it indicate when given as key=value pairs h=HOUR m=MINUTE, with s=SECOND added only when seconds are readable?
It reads h=10 m=29
